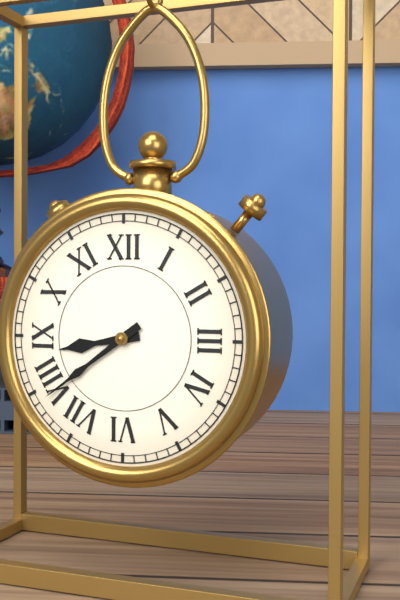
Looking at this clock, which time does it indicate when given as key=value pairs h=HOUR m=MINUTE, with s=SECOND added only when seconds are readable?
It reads h=8 m=39
